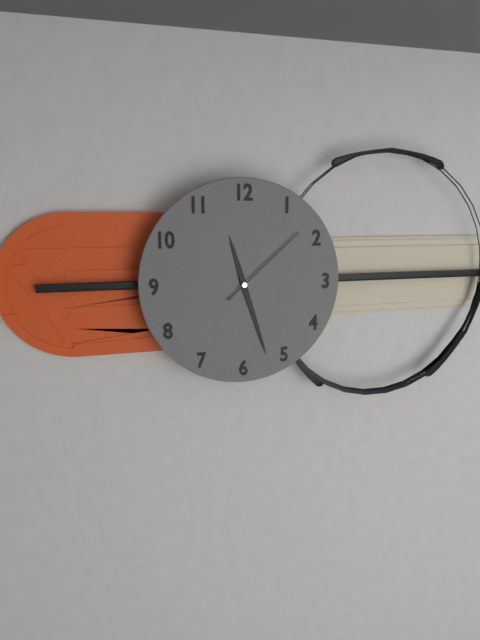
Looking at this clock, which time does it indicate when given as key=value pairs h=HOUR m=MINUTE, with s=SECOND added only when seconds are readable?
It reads h=11 m=27 s=8
